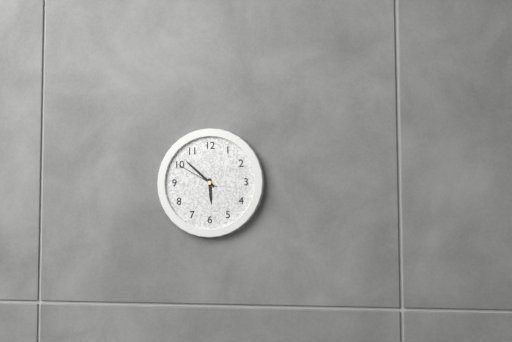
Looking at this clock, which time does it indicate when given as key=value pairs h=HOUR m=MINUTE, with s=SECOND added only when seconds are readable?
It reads h=5 m=52
